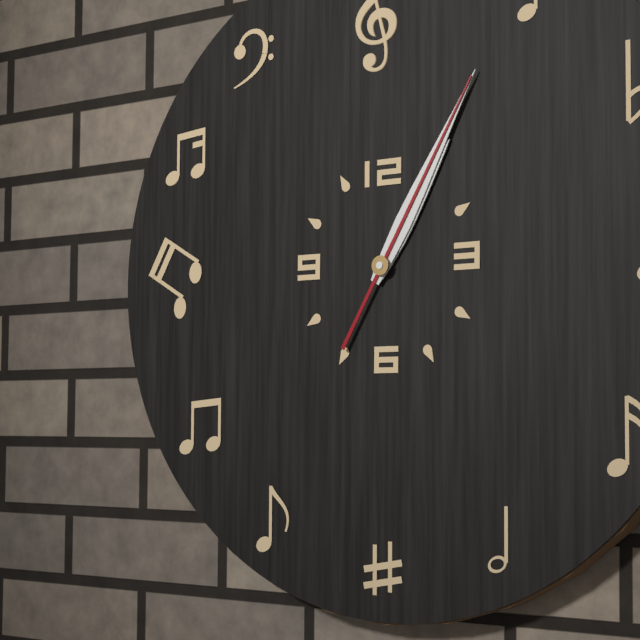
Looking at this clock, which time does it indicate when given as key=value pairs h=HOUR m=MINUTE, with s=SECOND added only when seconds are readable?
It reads h=1 m=5 s=5
